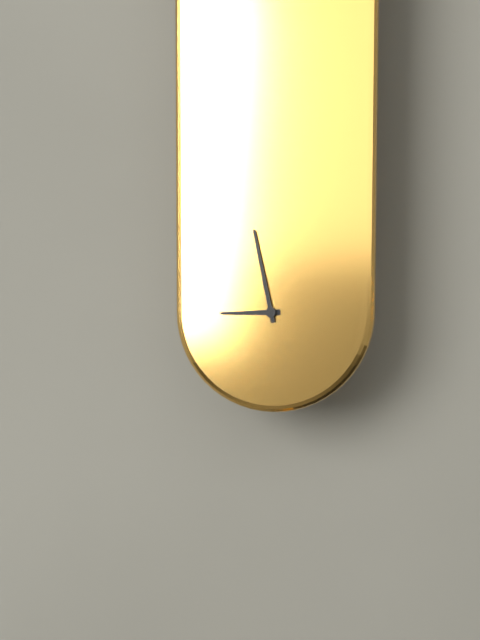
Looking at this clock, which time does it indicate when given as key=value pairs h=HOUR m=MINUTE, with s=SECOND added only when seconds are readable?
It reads h=8 m=58
